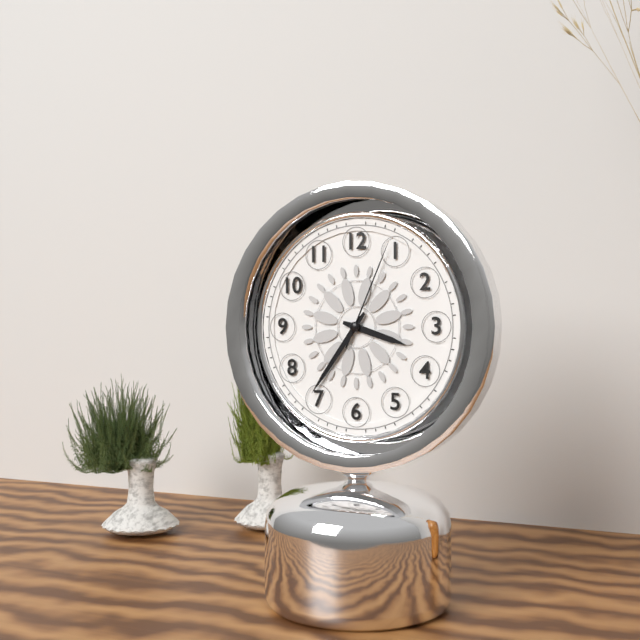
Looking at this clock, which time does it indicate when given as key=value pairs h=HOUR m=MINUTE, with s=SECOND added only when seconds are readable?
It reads h=3 m=36 s=4
